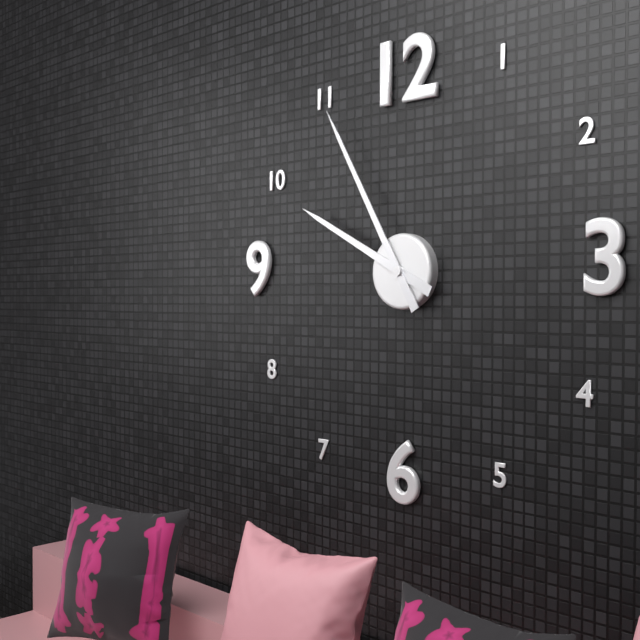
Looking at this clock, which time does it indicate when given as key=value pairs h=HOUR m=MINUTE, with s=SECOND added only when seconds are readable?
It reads h=9 m=55
